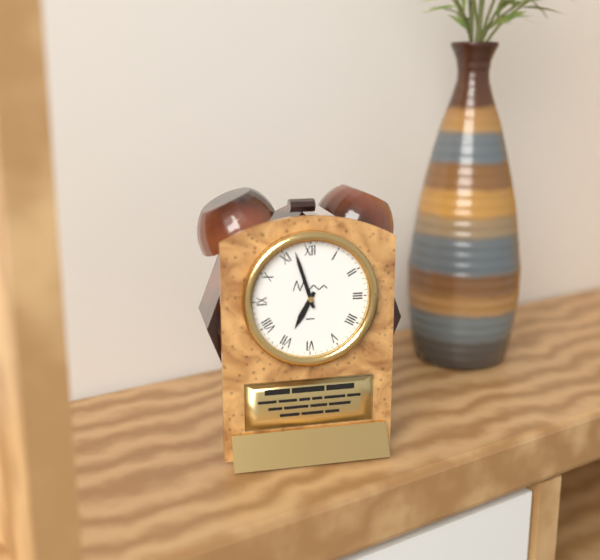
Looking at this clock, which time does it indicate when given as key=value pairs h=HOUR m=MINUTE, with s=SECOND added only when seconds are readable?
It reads h=6 m=57
